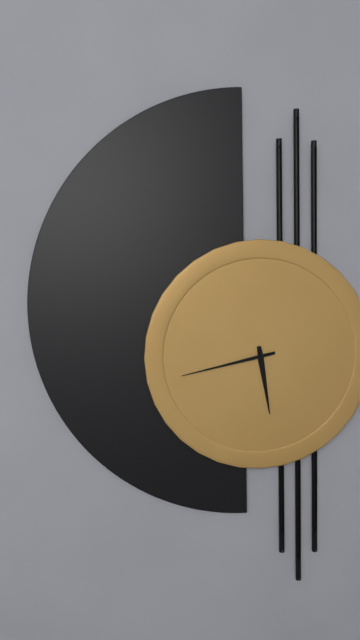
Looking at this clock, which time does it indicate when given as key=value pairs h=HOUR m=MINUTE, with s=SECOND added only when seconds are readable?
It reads h=5 m=43
